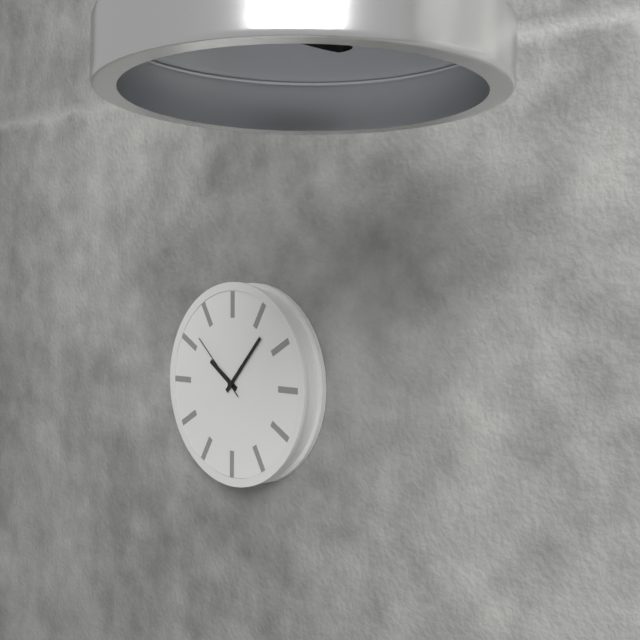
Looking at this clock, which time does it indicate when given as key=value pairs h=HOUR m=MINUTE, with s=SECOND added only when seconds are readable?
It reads h=10 m=7 s=52
